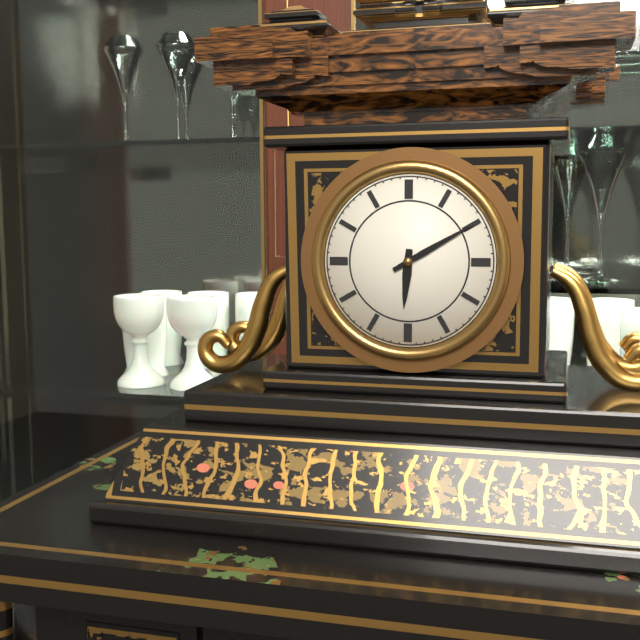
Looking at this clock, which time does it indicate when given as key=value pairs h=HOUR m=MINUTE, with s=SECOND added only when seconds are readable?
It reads h=6 m=10
